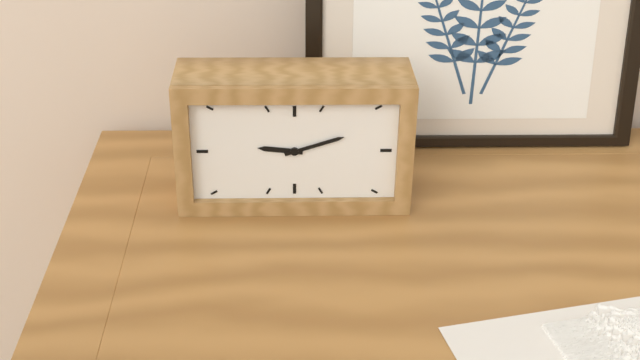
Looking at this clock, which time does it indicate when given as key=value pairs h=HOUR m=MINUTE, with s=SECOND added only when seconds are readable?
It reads h=9 m=12
